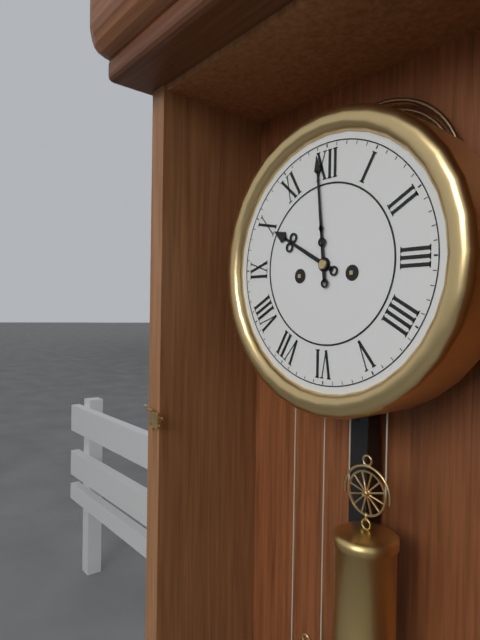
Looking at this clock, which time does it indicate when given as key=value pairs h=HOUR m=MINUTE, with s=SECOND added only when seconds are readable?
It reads h=9 m=59
